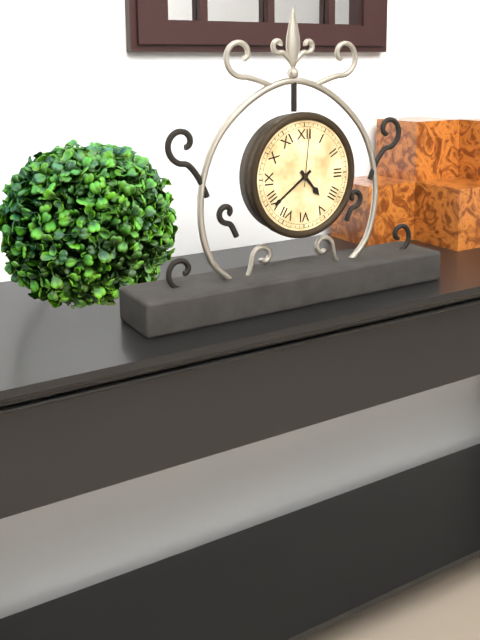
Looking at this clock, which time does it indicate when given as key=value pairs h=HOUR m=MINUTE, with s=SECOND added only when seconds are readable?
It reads h=4 m=39 s=1
